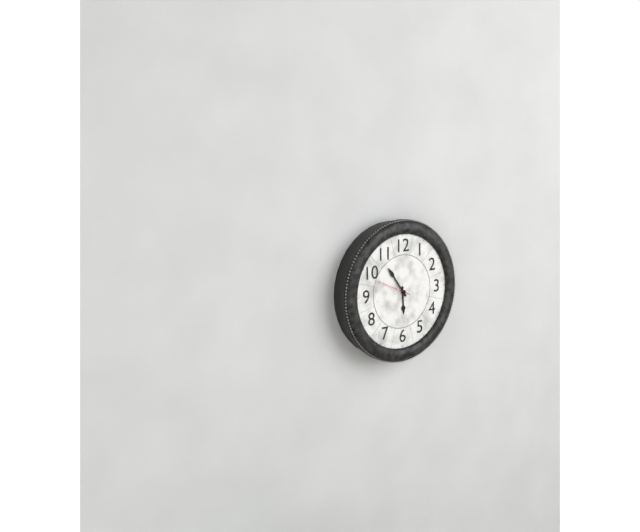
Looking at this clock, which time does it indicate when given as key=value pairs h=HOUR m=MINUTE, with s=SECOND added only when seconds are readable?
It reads h=5 m=54
